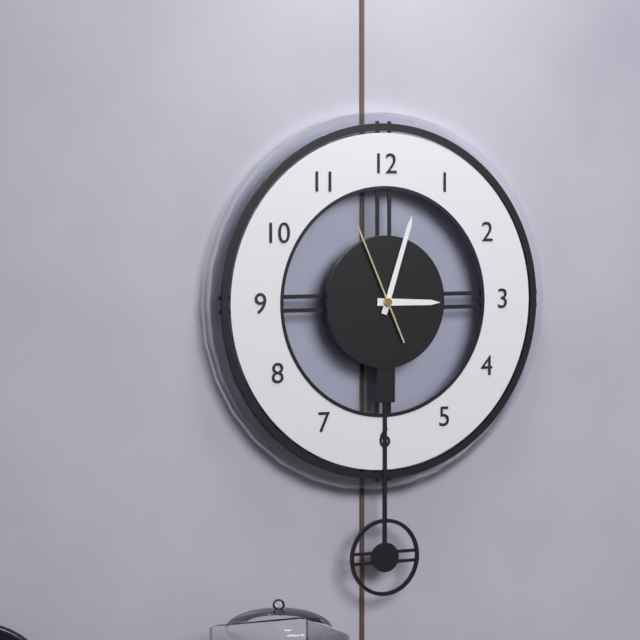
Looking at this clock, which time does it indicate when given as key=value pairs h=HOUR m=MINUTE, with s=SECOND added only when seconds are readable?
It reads h=3 m=3 s=56
